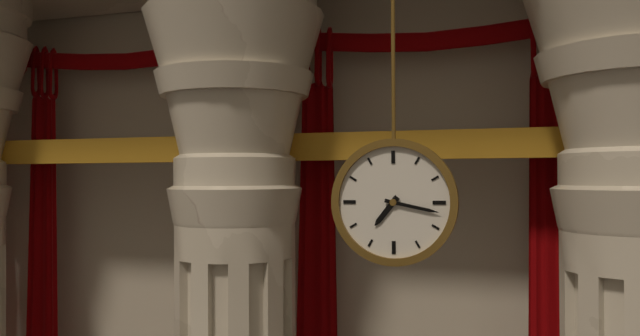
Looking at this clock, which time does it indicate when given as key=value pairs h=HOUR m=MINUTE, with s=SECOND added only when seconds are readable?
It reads h=7 m=17
